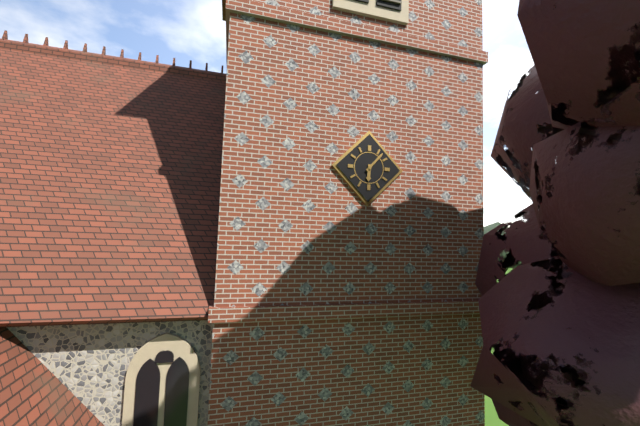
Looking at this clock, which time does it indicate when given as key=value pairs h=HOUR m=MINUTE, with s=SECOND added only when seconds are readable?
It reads h=6 m=7
